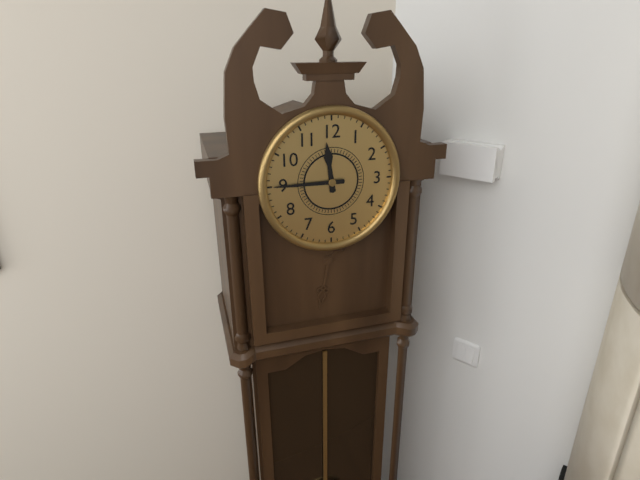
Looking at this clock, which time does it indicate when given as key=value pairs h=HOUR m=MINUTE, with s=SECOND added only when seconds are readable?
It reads h=11 m=45
